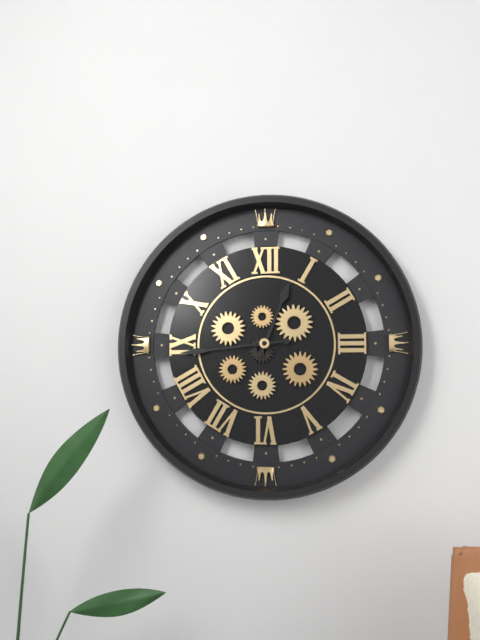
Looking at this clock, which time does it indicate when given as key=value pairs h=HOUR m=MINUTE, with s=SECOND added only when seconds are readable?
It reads h=12 m=44
